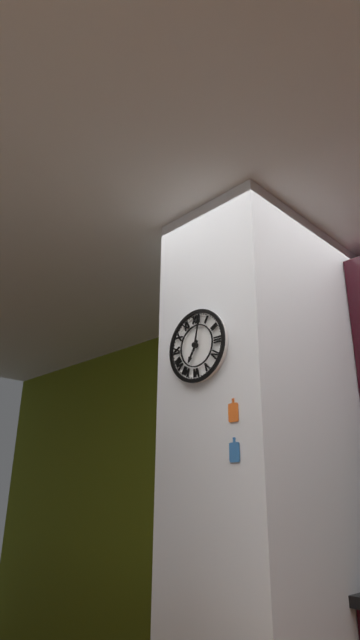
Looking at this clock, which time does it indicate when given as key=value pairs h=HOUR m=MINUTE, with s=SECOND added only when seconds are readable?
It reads h=7 m=2
